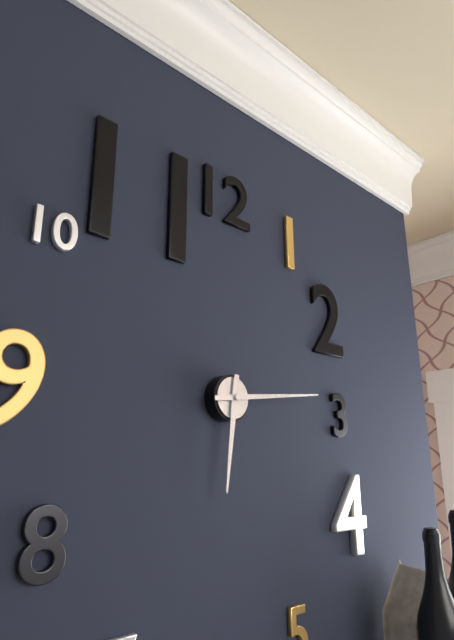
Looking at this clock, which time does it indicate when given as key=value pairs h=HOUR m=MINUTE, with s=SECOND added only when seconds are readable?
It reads h=6 m=14
